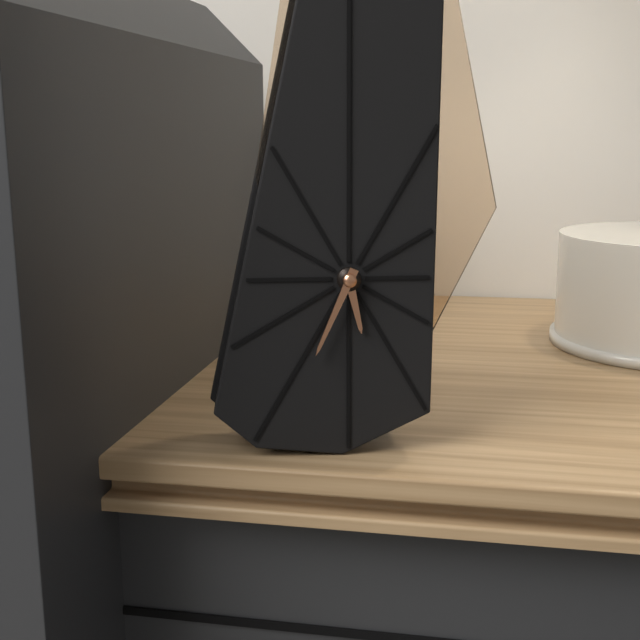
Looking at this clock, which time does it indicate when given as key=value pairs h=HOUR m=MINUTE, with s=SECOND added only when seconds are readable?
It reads h=5 m=34
